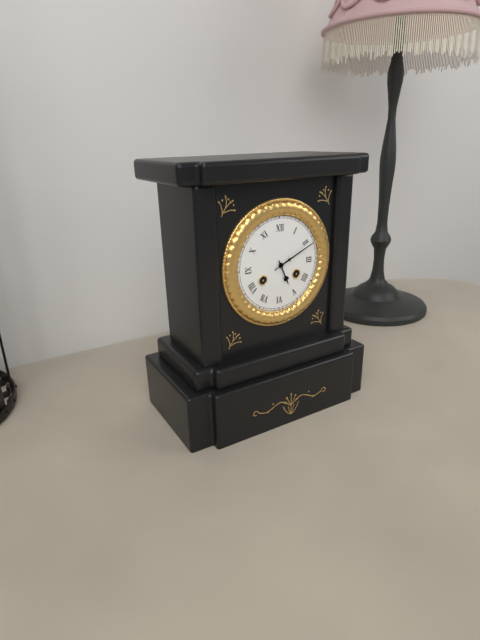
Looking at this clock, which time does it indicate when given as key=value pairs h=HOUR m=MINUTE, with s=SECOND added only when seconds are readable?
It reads h=5 m=11
